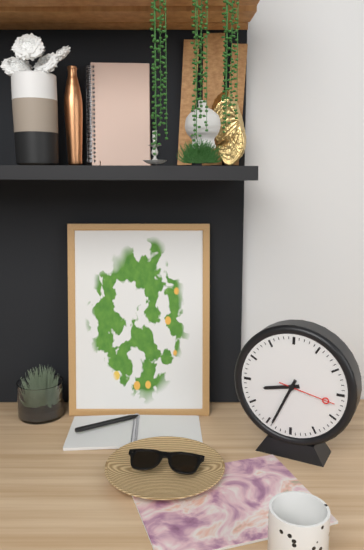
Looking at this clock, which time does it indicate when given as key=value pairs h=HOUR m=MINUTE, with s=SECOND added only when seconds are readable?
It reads h=8 m=34 s=17
